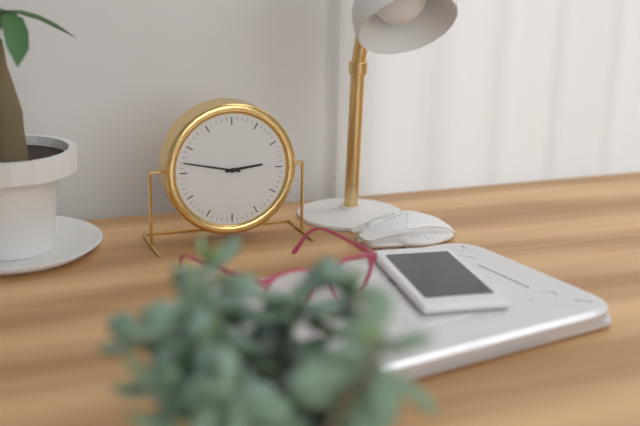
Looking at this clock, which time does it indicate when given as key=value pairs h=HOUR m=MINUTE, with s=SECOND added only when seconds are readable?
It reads h=2 m=47
